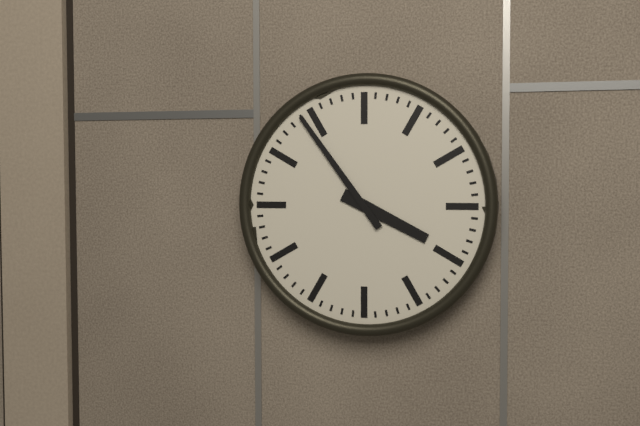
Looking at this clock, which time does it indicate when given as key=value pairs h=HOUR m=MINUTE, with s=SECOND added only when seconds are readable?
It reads h=3 m=54
